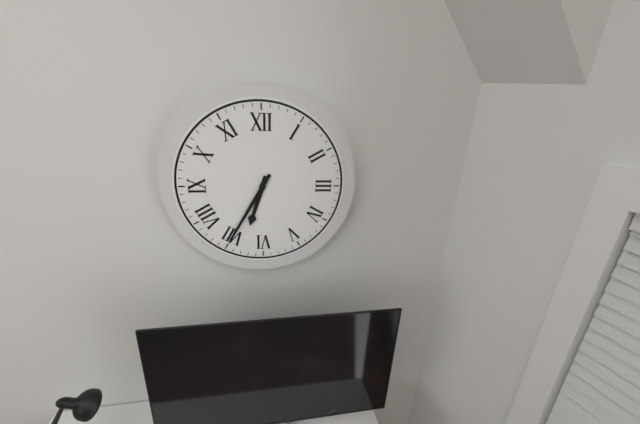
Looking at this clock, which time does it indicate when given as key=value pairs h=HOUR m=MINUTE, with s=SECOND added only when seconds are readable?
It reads h=6 m=35
